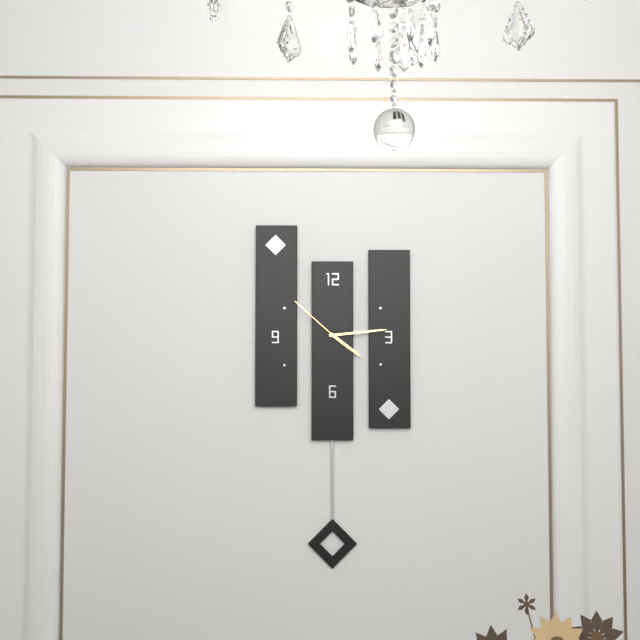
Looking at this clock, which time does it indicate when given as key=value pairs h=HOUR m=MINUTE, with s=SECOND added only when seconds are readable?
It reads h=4 m=14 s=52
